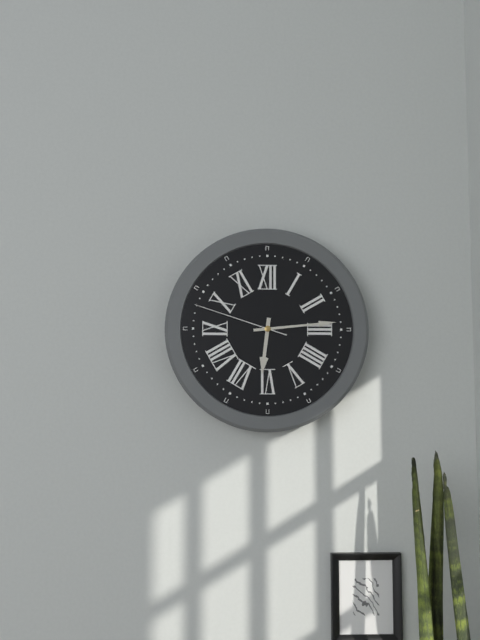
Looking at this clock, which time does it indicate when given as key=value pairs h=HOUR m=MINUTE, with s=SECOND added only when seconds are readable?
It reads h=6 m=14 s=48
